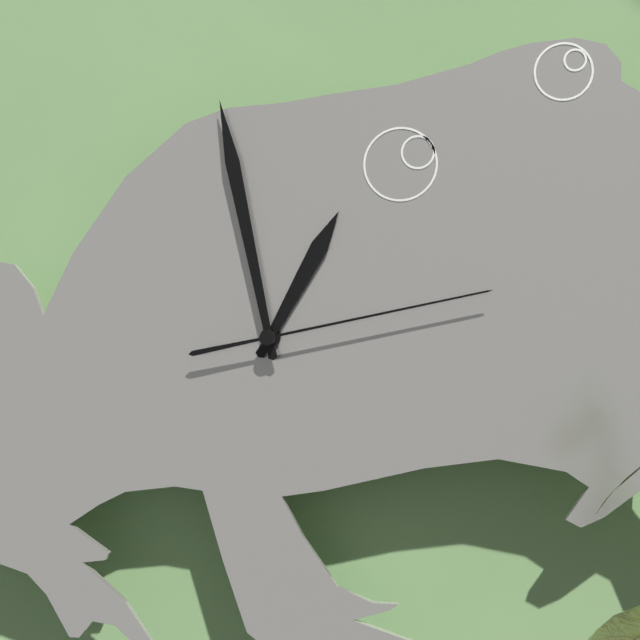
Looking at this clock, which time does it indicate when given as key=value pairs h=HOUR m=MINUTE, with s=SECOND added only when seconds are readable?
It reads h=12 m=58 s=13
